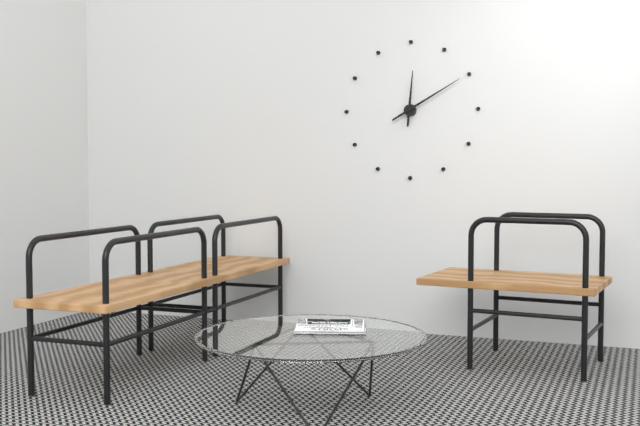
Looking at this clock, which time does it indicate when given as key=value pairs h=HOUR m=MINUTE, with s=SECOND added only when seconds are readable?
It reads h=12 m=10
